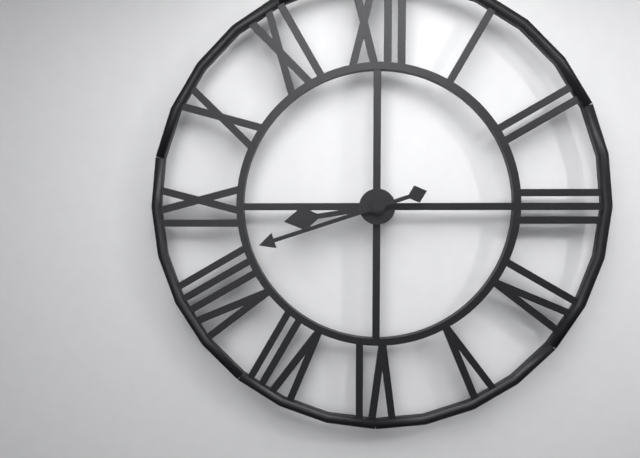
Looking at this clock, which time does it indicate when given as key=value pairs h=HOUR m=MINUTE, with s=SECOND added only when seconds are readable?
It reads h=8 m=42
